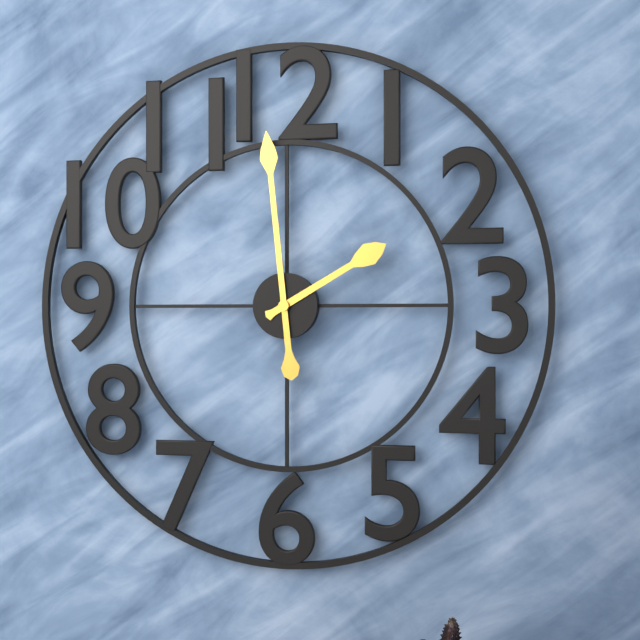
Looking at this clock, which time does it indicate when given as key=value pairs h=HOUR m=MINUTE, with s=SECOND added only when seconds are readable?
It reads h=1 m=59
